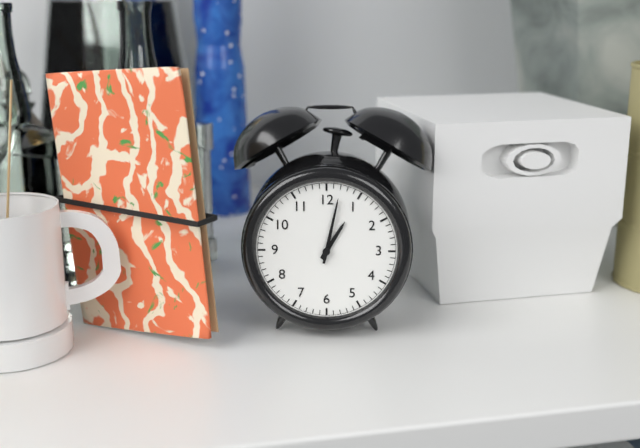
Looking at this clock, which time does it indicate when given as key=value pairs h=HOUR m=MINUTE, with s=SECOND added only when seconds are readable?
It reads h=1 m=2
